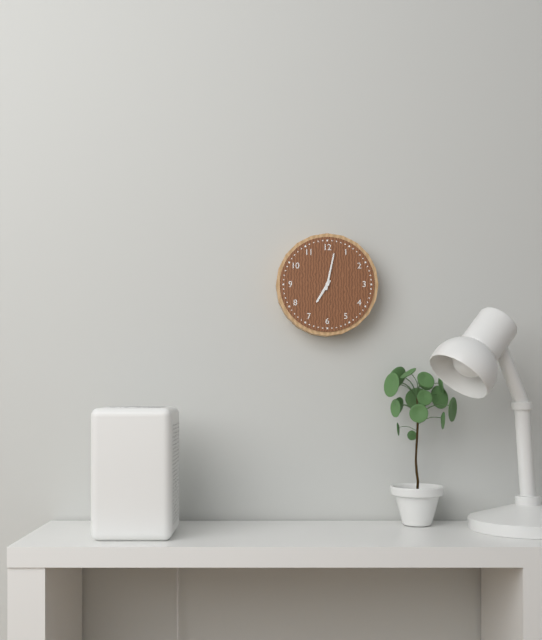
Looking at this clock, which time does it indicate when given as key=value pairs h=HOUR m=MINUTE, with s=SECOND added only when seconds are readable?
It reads h=7 m=2
